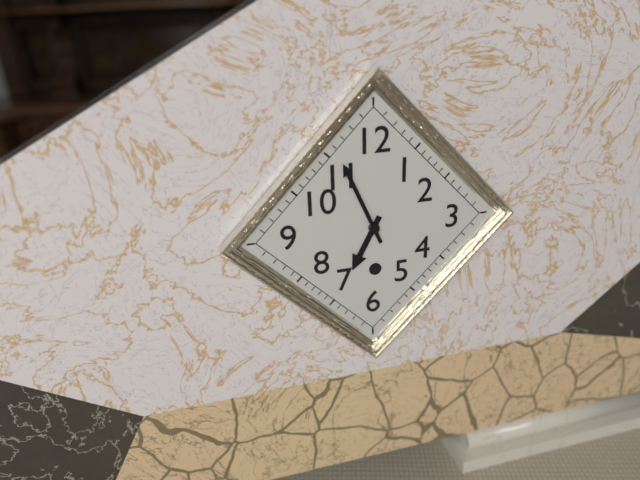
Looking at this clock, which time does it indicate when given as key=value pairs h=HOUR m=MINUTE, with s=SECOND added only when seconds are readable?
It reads h=6 m=56
